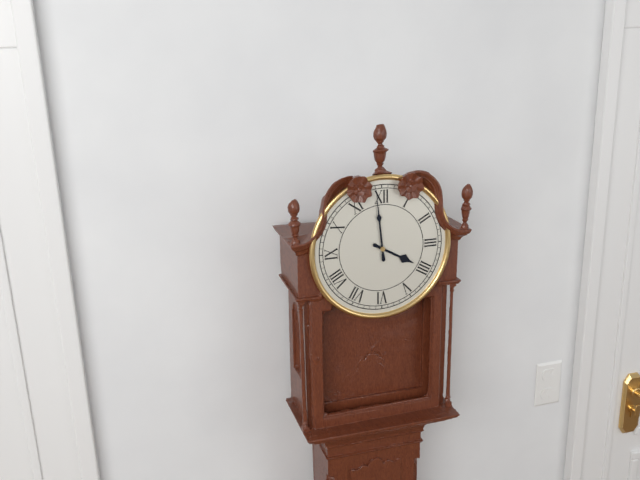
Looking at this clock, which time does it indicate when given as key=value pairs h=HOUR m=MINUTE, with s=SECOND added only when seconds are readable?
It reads h=3 m=59
